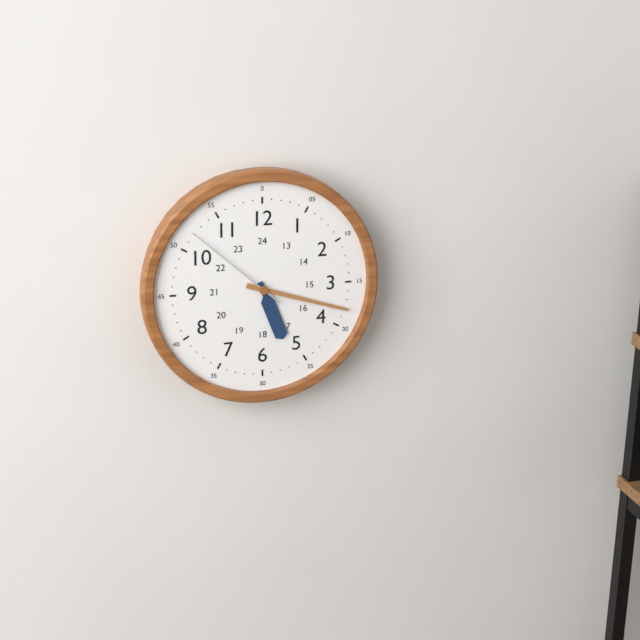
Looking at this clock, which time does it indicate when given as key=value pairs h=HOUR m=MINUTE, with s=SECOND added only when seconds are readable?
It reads h=5 m=18 s=52
